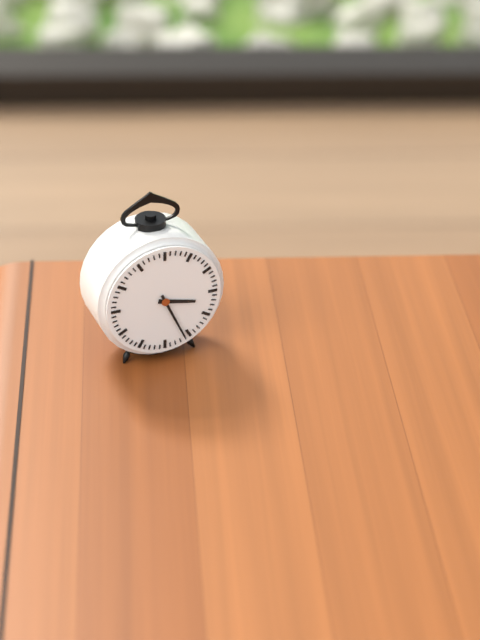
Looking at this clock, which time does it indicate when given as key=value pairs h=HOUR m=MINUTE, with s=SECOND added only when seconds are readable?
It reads h=3 m=26
